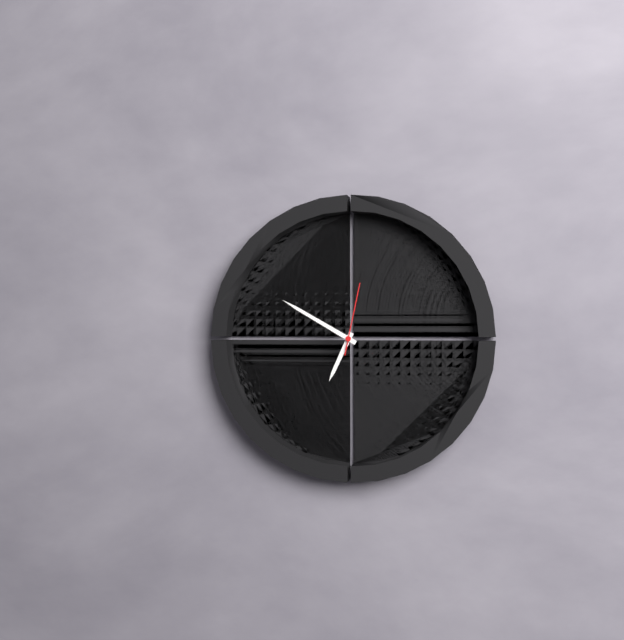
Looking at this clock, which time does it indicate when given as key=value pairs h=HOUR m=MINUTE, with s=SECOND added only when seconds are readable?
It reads h=6 m=50 s=2
